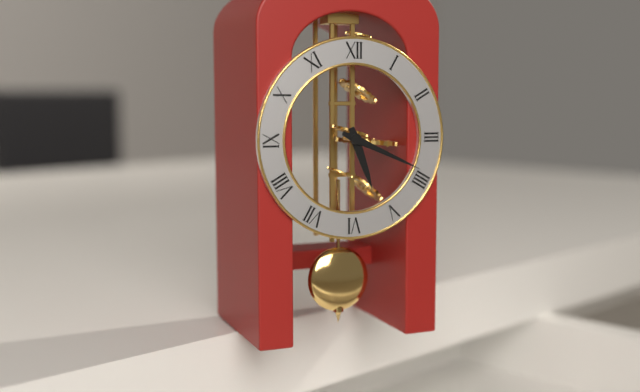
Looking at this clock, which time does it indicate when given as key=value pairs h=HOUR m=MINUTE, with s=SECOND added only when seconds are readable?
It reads h=5 m=19
